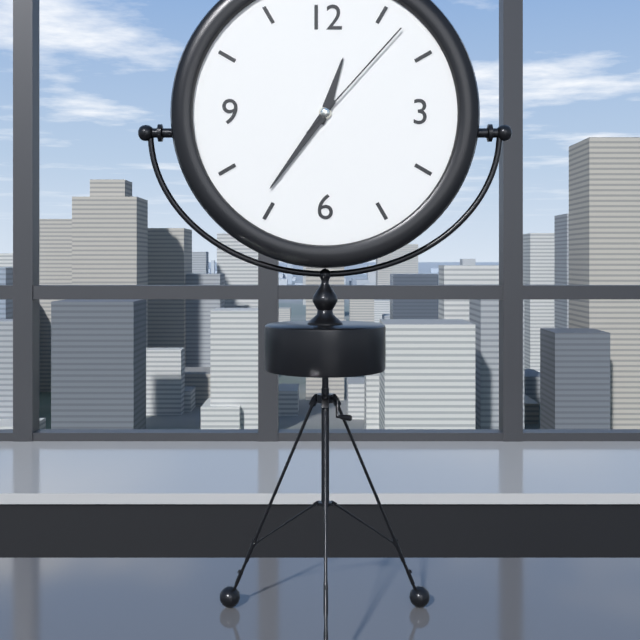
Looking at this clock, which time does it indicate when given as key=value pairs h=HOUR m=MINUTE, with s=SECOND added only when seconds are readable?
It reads h=12 m=36 s=7
